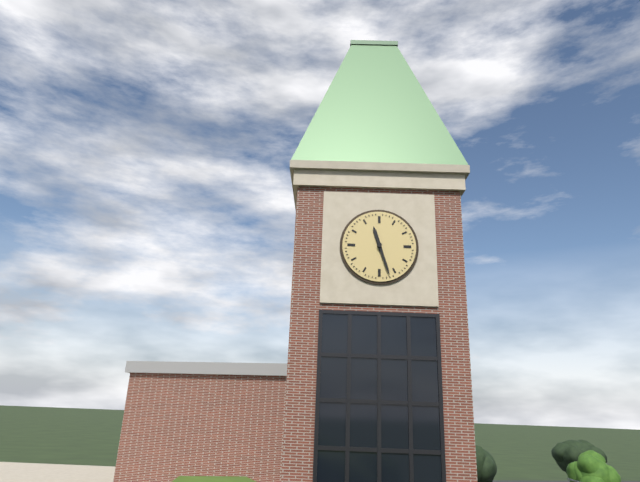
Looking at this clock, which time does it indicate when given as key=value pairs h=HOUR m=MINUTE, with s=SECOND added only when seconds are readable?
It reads h=11 m=27
